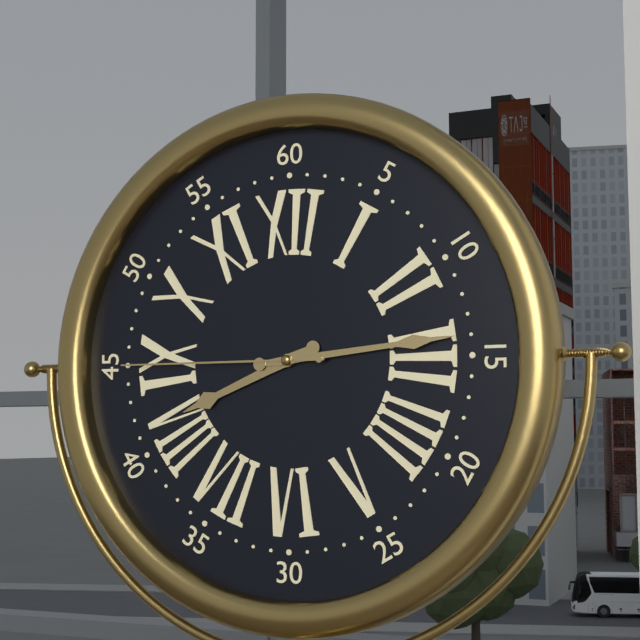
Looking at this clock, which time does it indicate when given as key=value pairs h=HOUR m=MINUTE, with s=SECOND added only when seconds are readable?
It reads h=8 m=14 s=45
